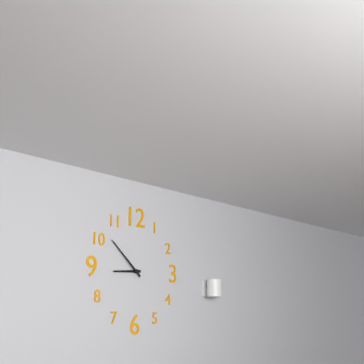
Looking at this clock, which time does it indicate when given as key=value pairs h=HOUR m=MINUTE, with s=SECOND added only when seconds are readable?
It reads h=8 m=52
